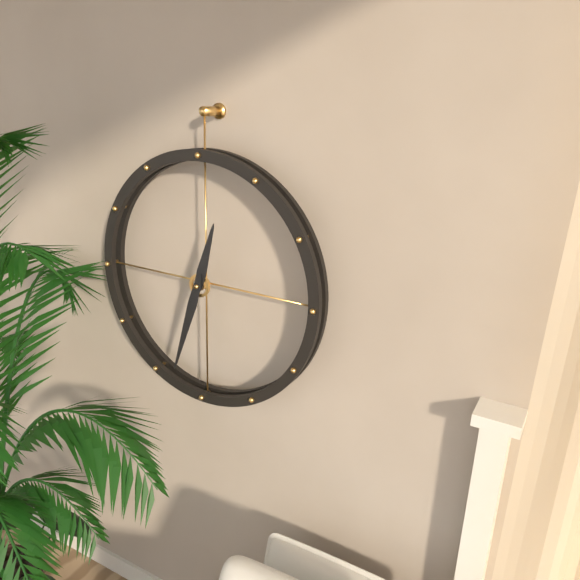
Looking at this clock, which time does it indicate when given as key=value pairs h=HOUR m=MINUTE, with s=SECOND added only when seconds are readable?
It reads h=12 m=33
